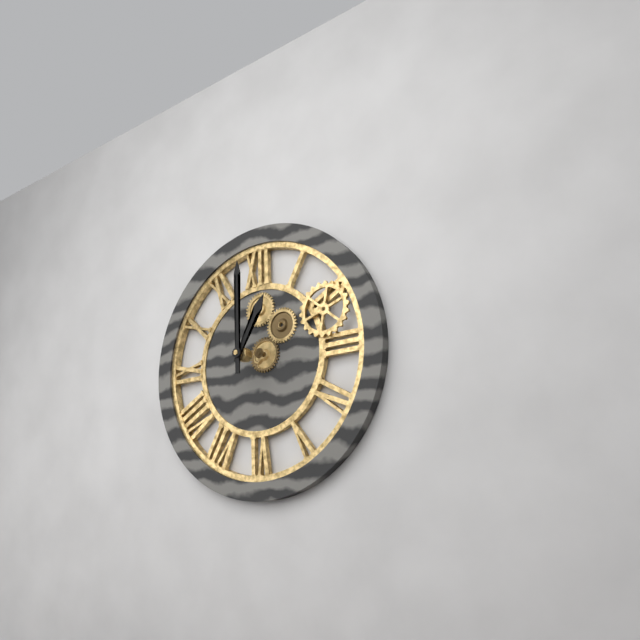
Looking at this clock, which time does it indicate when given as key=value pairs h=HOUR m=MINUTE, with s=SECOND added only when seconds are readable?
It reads h=1 m=0
